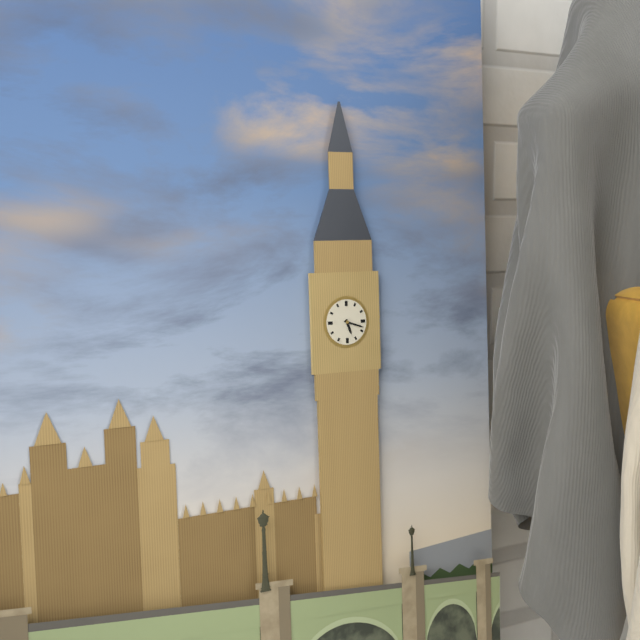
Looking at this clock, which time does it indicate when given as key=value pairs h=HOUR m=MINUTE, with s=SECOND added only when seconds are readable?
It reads h=5 m=18
